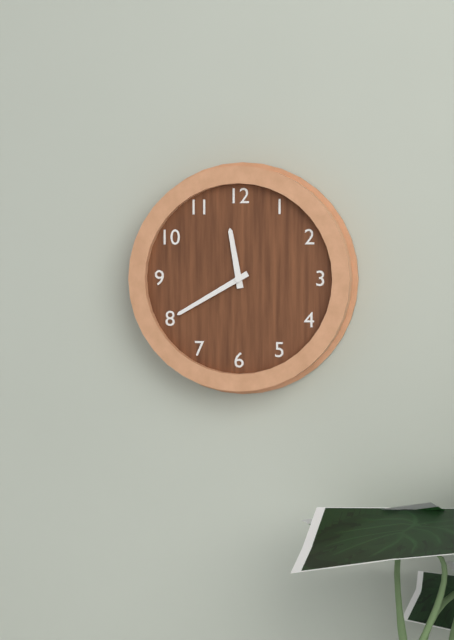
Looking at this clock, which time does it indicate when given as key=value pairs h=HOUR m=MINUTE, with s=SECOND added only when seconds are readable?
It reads h=11 m=40
